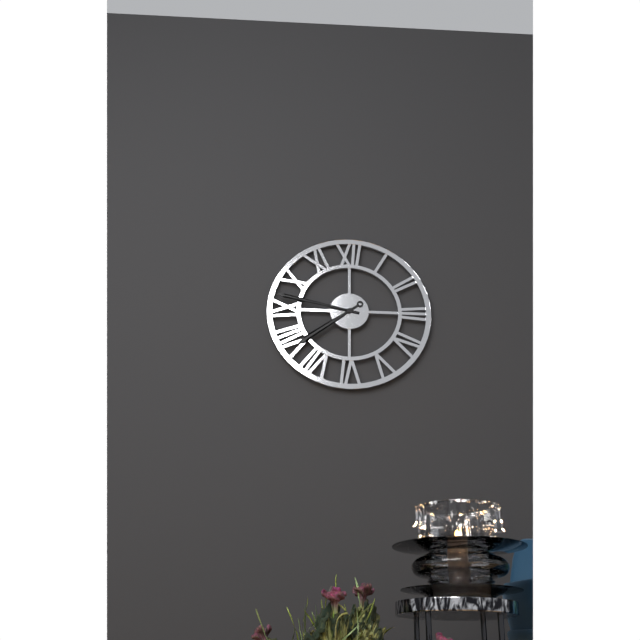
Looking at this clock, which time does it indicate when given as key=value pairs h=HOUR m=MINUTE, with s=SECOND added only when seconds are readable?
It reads h=7 m=47
